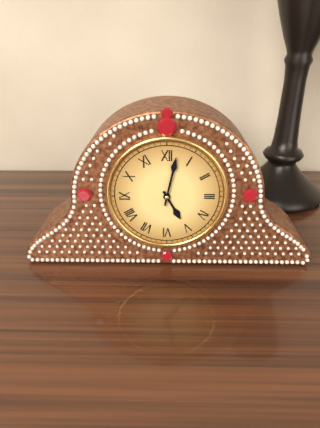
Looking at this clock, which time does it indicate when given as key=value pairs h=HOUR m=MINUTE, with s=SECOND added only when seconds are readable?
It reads h=5 m=2
